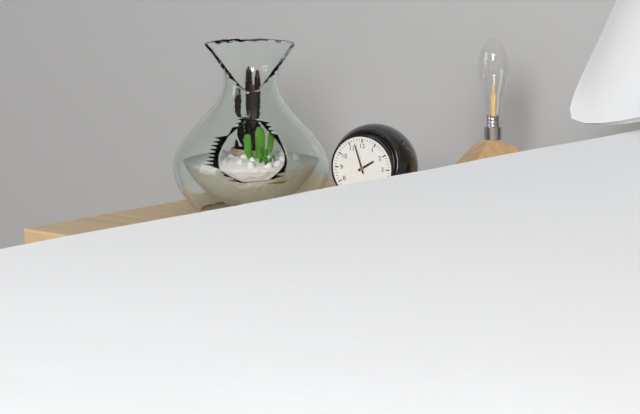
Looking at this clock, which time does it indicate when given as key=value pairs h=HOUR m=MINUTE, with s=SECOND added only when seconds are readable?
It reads h=1 m=57
